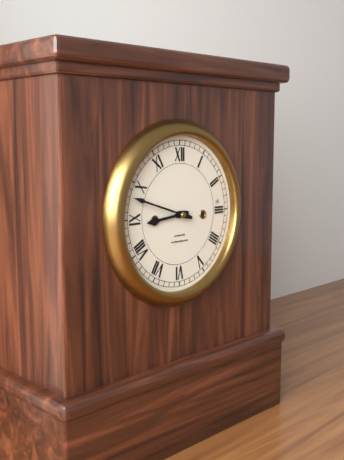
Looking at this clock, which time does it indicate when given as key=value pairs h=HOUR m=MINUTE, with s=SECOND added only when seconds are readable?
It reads h=8 m=48
